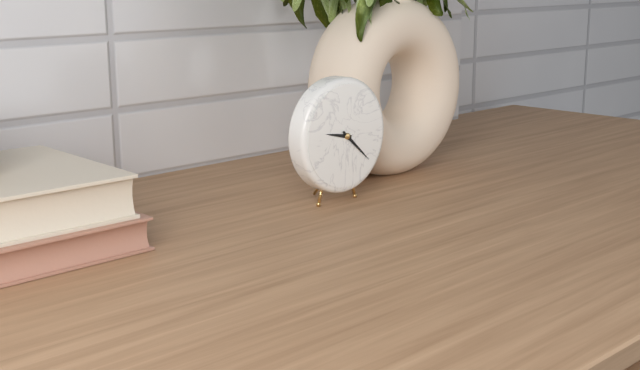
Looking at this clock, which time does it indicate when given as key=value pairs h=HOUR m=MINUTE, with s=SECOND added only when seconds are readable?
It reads h=9 m=22
